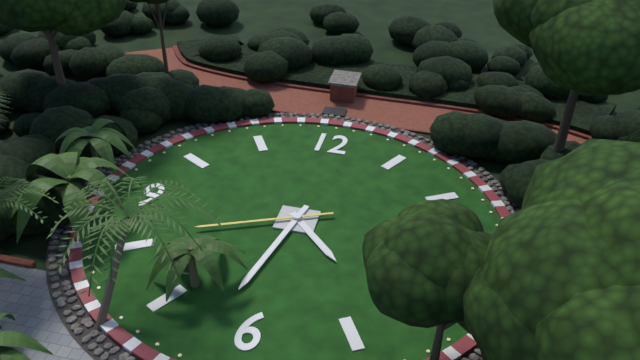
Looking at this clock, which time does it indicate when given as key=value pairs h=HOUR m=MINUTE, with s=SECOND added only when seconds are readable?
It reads h=4 m=32 s=41
